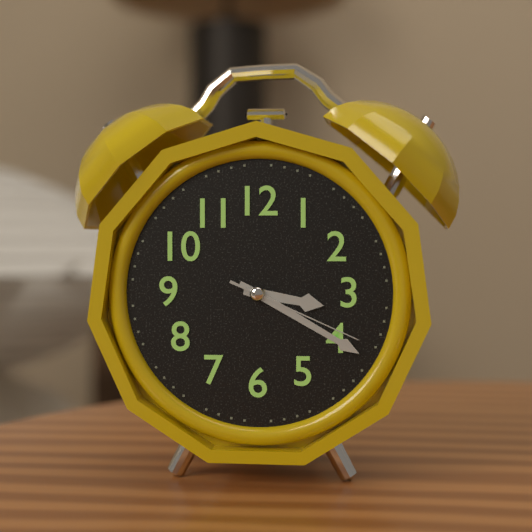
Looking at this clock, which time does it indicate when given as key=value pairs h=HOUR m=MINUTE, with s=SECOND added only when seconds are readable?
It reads h=3 m=20 s=19
